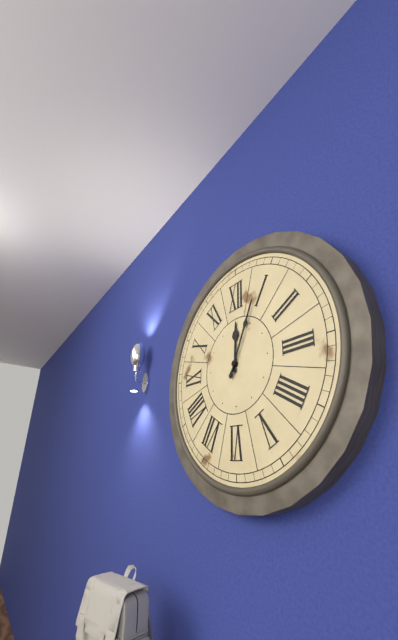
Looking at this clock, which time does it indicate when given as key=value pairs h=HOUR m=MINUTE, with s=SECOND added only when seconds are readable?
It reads h=12 m=4
